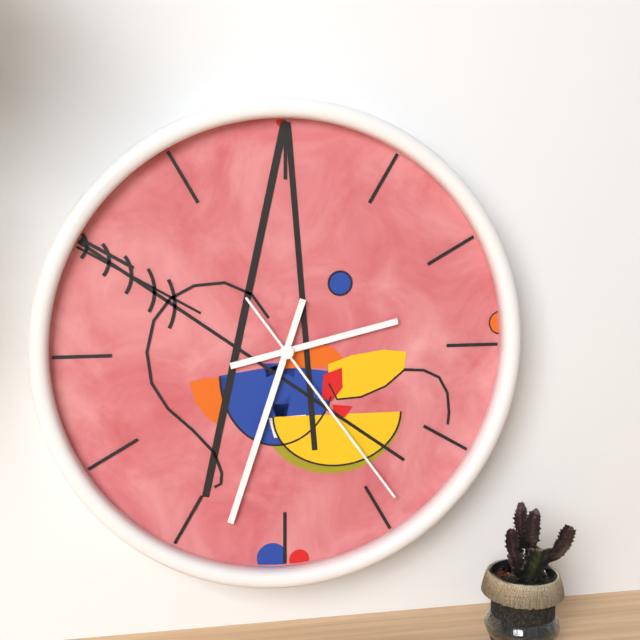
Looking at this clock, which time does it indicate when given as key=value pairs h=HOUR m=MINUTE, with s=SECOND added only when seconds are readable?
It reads h=2 m=33 s=24
